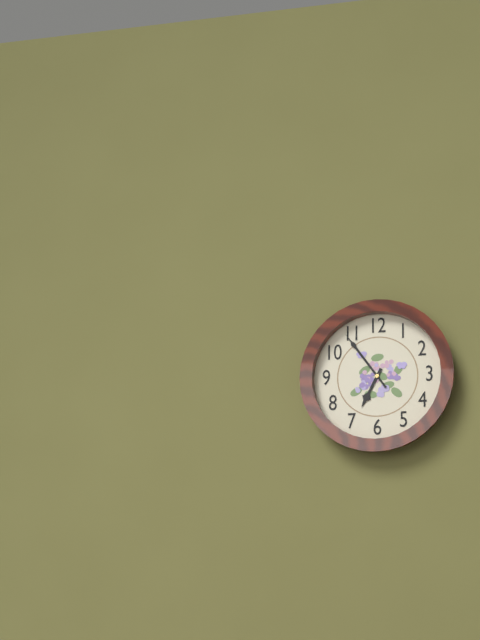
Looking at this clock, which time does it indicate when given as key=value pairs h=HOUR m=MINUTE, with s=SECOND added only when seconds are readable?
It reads h=6 m=54
